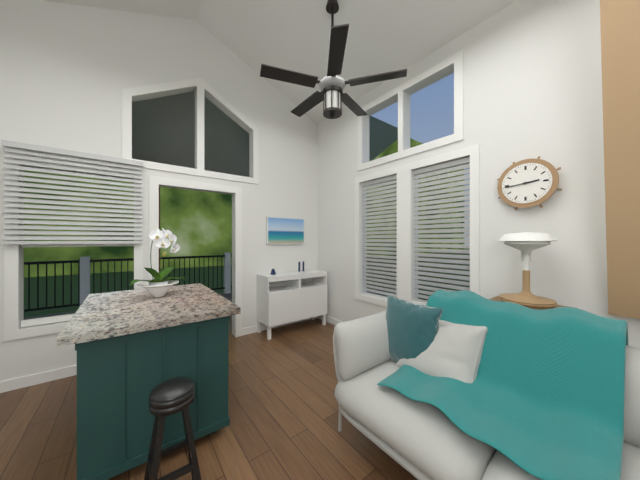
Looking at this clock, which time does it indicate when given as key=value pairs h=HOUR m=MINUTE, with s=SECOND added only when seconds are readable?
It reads h=2 m=44
